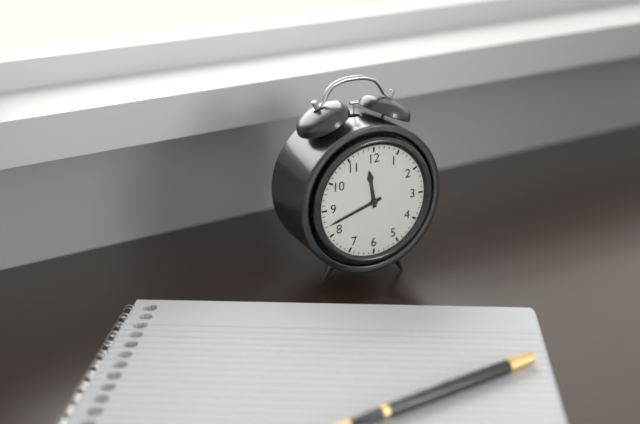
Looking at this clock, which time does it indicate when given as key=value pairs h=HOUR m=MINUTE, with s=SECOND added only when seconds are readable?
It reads h=11 m=42
